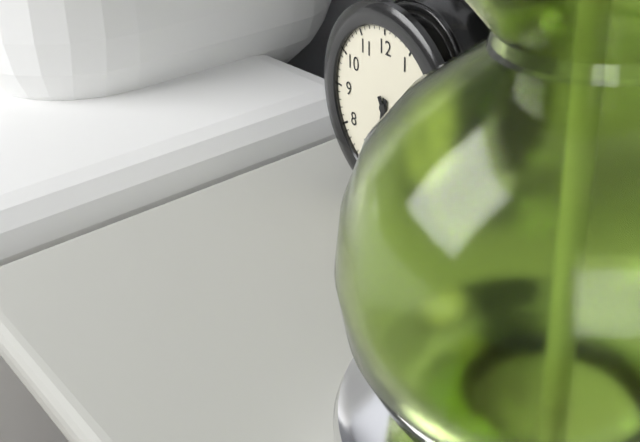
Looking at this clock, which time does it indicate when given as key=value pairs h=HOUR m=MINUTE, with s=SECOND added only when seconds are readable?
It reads h=6 m=25
